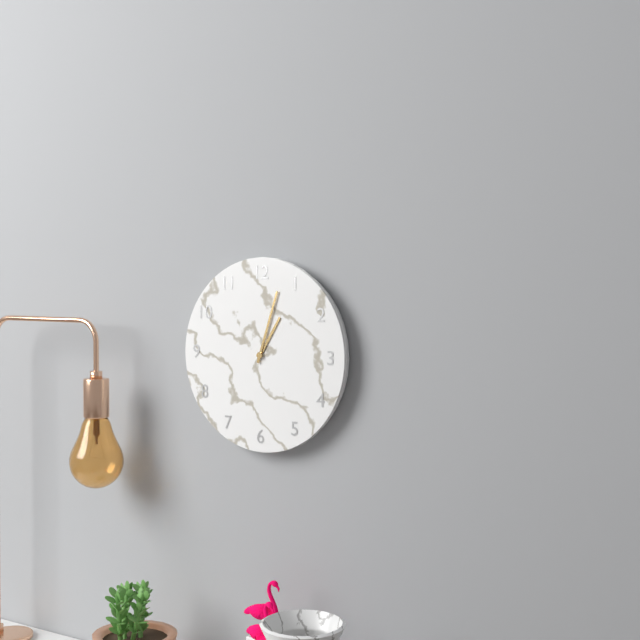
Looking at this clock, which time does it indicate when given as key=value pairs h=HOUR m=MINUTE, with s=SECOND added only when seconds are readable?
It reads h=1 m=3
